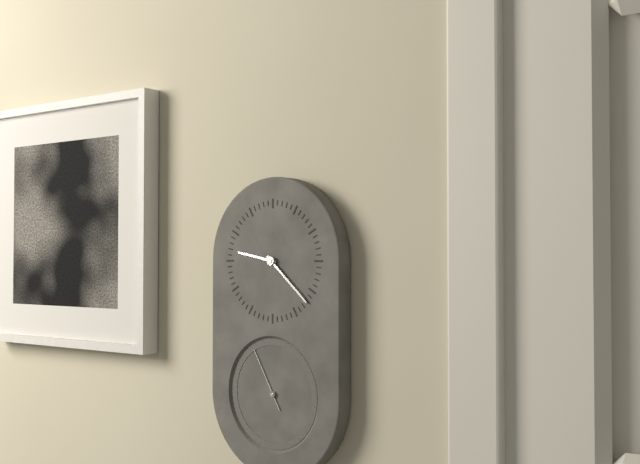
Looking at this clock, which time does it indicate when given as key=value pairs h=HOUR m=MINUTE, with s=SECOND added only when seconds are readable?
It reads h=9 m=22 s=55
